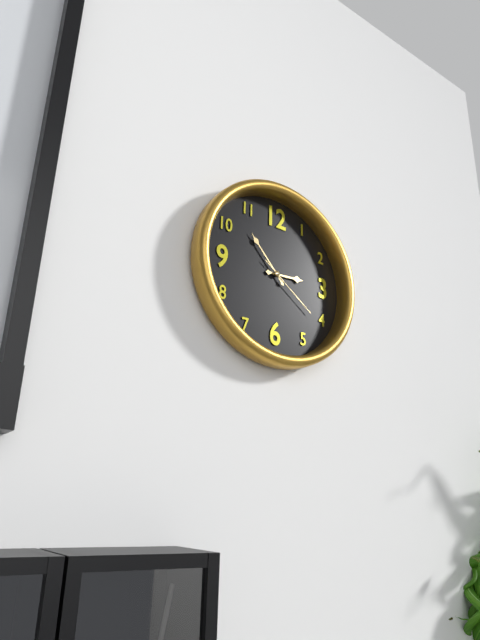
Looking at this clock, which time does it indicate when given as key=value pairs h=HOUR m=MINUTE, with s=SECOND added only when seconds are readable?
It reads h=2 m=53 s=21
